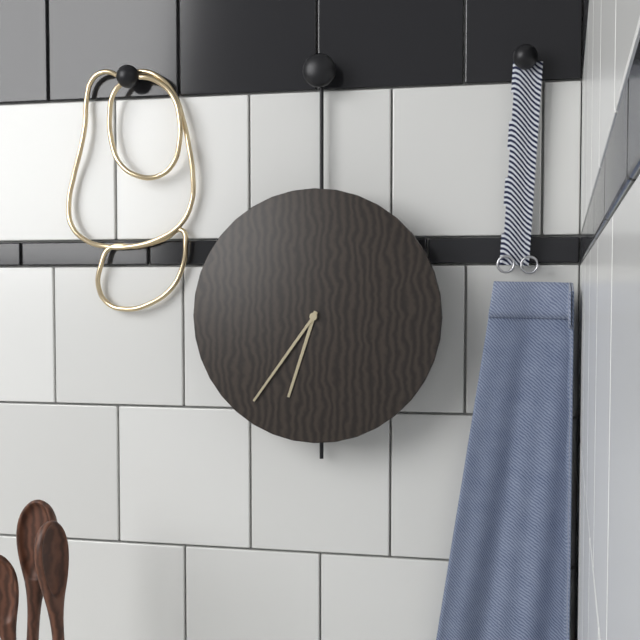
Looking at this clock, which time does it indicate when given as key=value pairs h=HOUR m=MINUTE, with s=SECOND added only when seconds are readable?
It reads h=6 m=36
